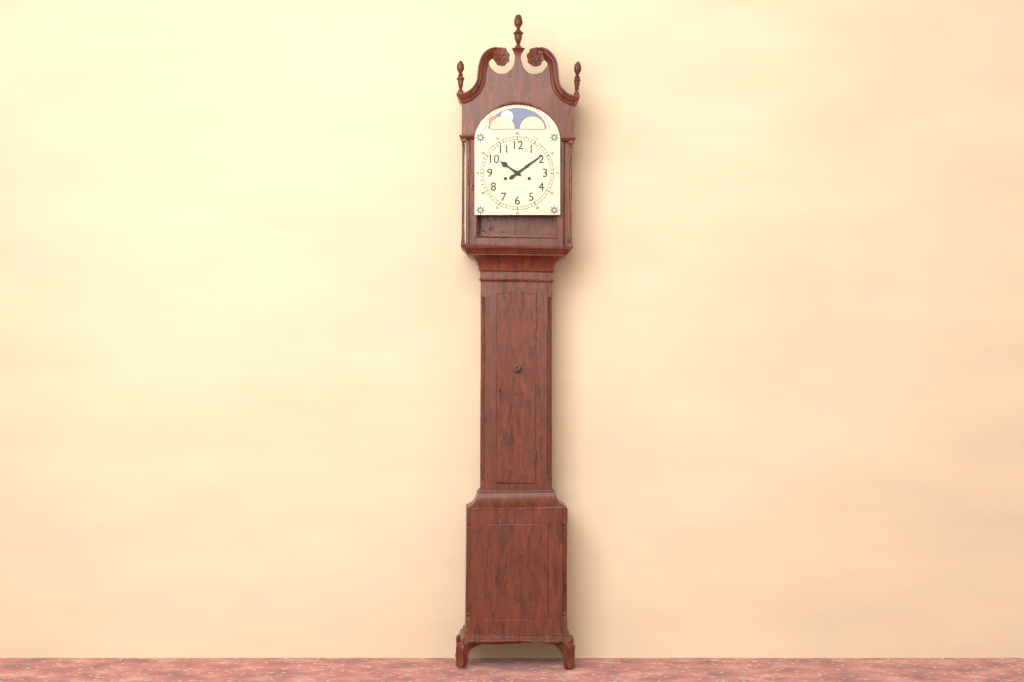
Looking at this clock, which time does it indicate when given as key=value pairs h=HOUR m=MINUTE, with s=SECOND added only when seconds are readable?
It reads h=10 m=9
